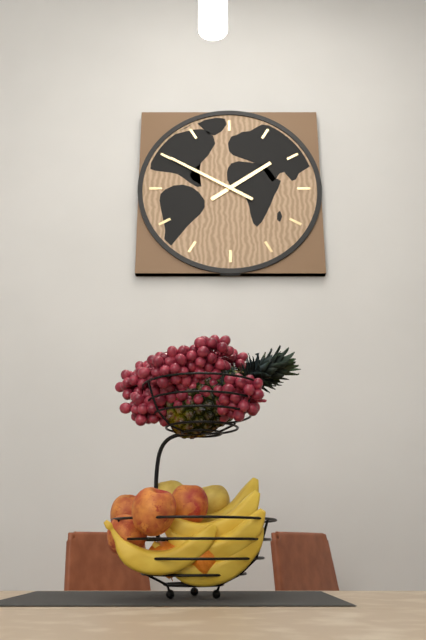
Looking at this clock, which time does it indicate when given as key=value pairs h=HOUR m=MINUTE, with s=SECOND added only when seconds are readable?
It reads h=1 m=50
